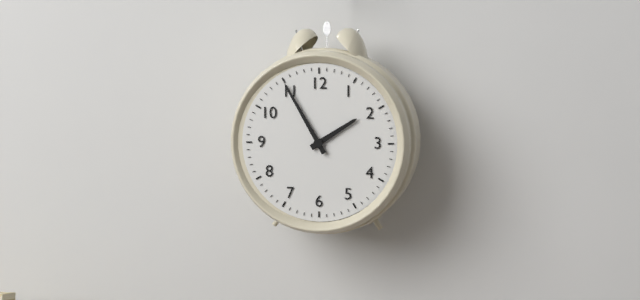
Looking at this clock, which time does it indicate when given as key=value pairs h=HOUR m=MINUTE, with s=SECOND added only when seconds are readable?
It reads h=1 m=55
